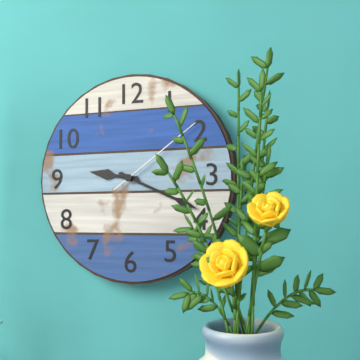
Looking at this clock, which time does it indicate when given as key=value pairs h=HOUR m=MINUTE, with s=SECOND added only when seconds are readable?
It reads h=9 m=19 s=9
